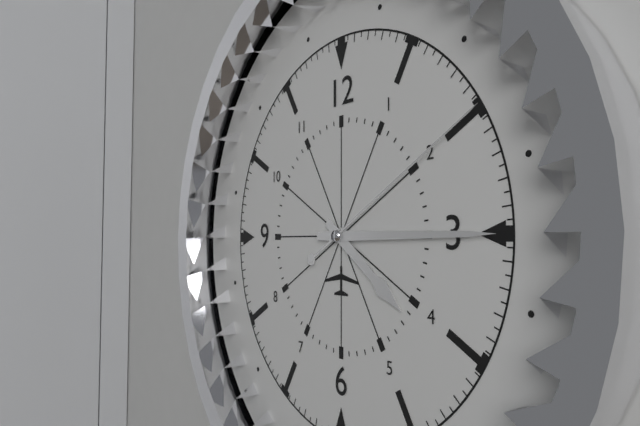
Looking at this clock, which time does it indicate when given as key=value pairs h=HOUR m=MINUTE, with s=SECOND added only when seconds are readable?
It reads h=4 m=15 s=10
